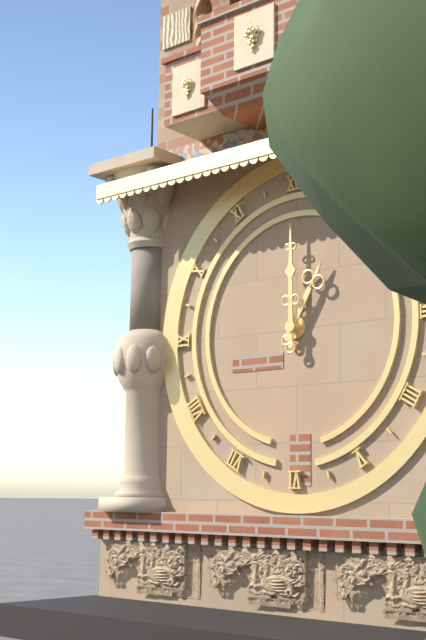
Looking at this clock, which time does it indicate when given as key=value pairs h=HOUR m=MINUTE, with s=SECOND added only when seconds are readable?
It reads h=1 m=0
